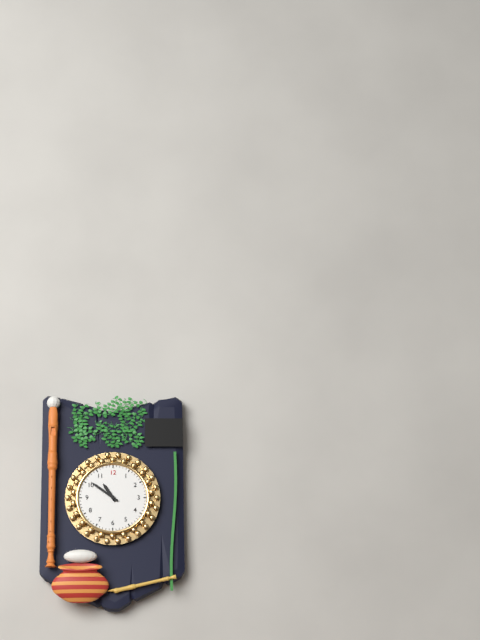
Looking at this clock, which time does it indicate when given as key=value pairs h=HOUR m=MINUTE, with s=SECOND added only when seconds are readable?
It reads h=10 m=51
